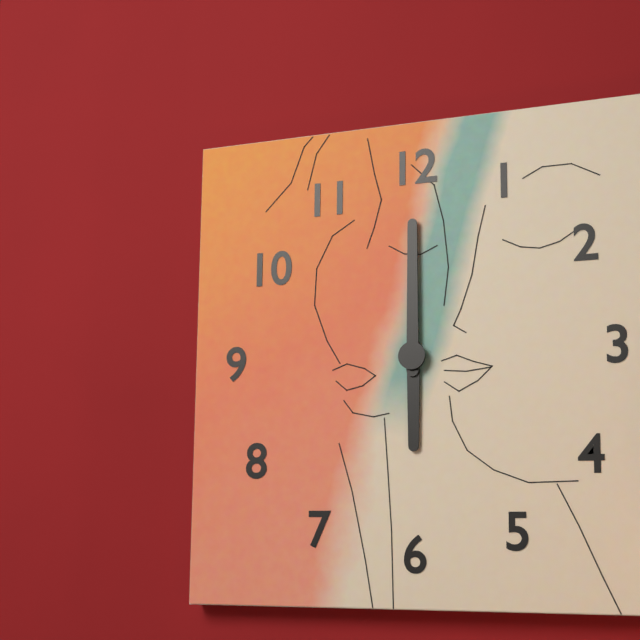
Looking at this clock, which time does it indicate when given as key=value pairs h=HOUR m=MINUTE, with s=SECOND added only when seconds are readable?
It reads h=6 m=0
